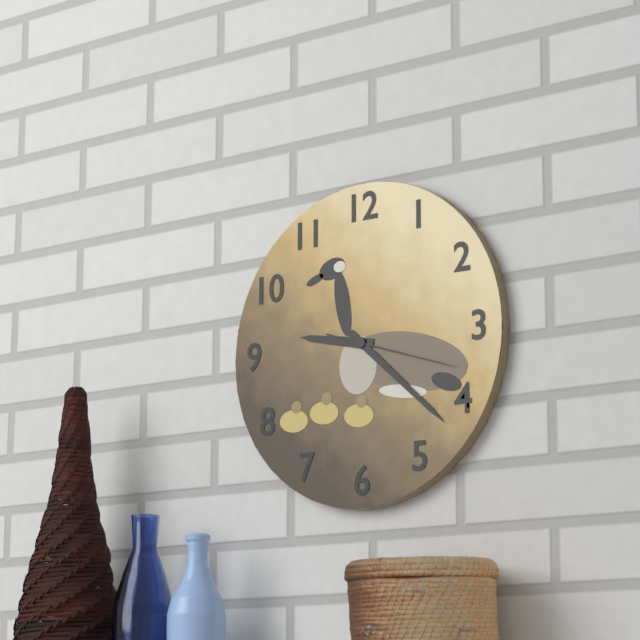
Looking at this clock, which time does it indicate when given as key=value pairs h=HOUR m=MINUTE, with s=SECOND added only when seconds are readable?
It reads h=9 m=22 s=18
